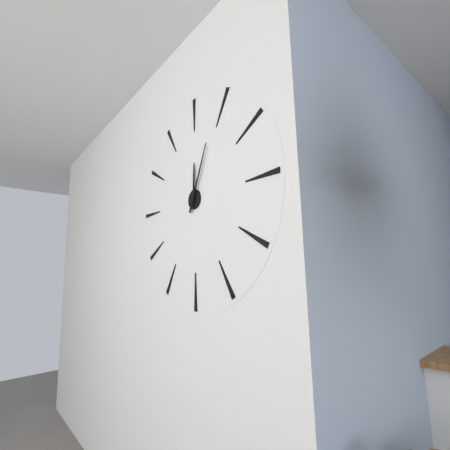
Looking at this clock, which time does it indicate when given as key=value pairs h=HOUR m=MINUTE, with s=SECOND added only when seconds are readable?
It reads h=12 m=4
